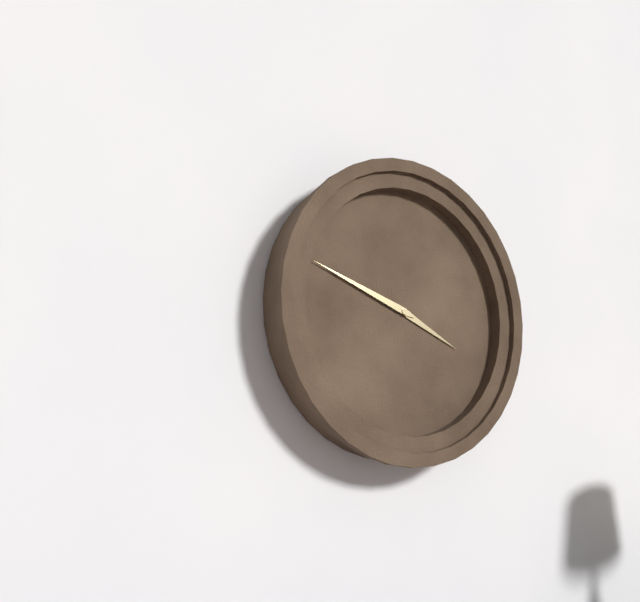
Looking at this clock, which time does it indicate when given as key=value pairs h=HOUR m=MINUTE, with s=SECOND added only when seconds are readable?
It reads h=3 m=48
